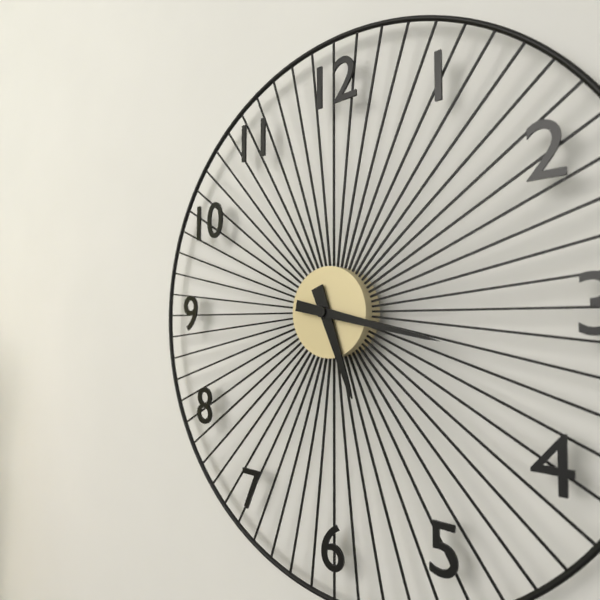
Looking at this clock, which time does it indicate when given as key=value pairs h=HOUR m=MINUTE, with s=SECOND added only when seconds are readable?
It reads h=5 m=17
